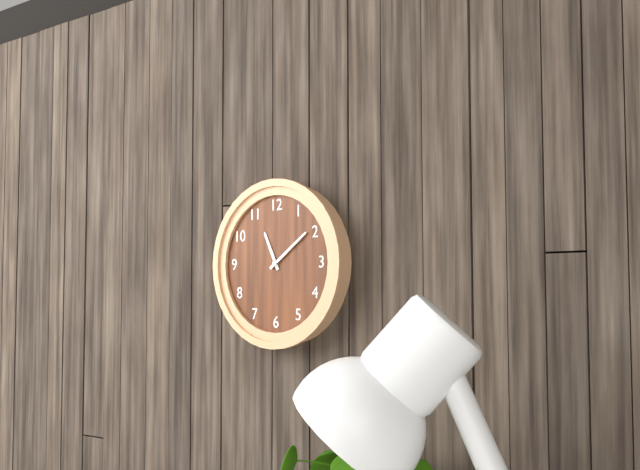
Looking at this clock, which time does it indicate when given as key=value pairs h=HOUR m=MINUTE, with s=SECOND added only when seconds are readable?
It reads h=11 m=9
